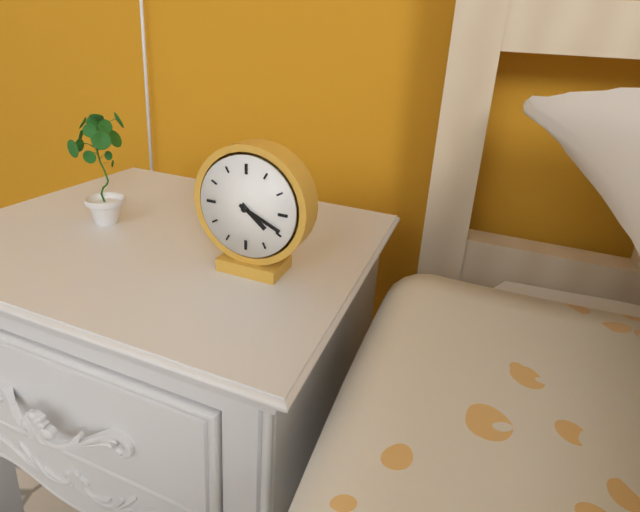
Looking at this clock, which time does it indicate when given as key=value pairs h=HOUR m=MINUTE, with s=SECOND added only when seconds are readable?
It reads h=4 m=19
